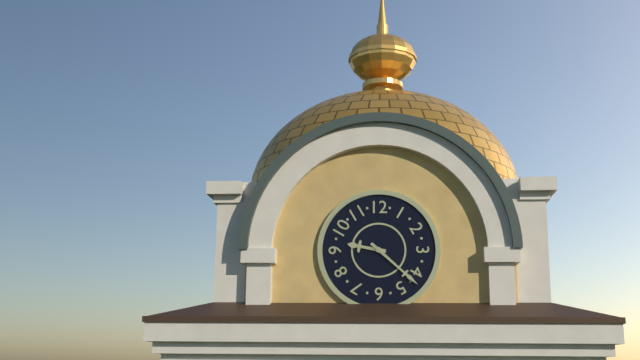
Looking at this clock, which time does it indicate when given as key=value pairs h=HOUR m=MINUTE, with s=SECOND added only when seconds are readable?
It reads h=9 m=22
